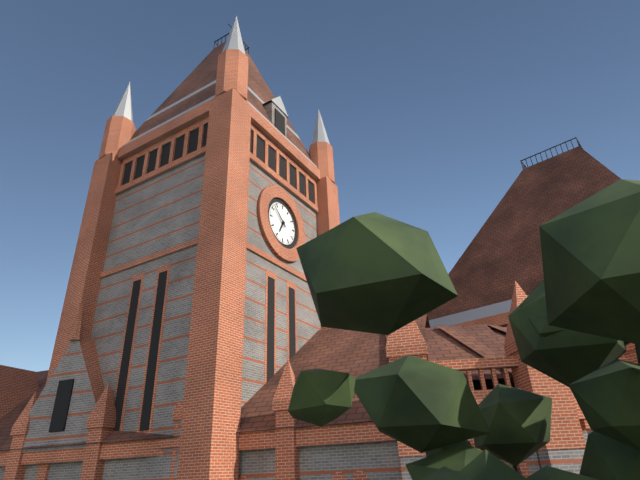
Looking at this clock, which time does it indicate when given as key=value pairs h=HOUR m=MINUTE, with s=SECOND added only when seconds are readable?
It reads h=6 m=52
